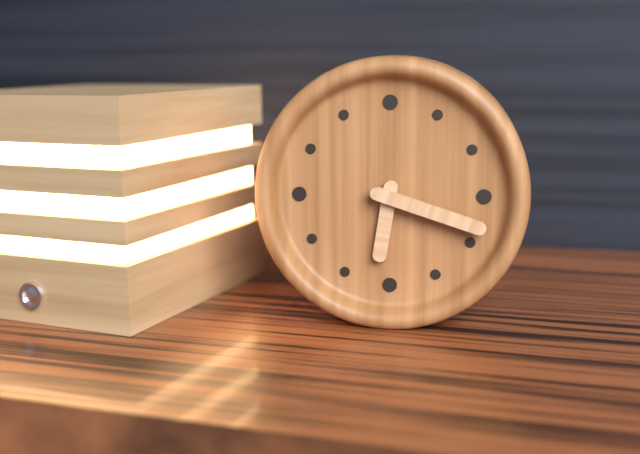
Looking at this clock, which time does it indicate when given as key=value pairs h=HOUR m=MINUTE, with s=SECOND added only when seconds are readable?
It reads h=6 m=18
